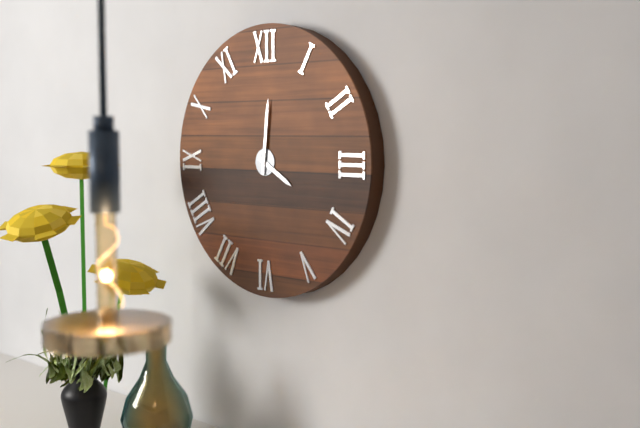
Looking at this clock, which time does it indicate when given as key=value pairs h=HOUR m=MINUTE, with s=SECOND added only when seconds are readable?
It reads h=4 m=1
